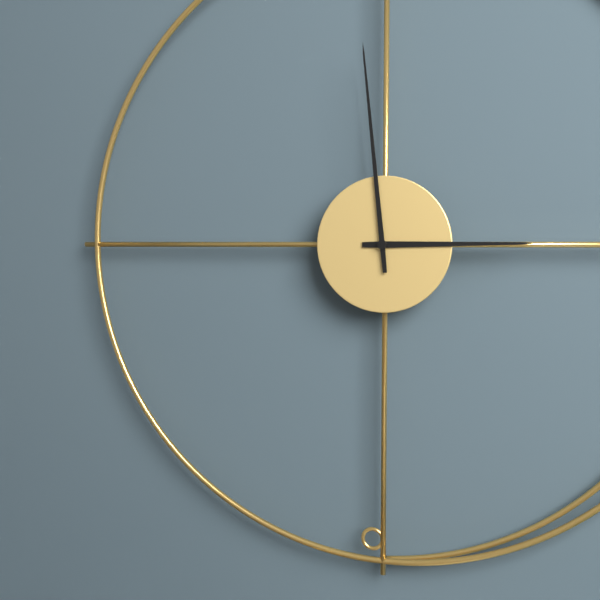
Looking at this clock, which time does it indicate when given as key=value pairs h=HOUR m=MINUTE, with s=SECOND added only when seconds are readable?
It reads h=2 m=59
